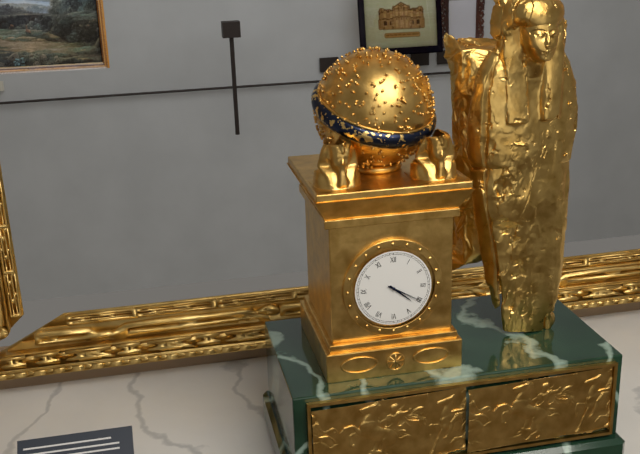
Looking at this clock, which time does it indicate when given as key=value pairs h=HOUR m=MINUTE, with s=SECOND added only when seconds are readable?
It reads h=4 m=20
